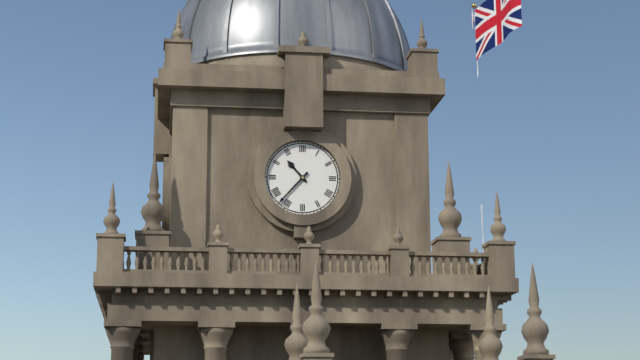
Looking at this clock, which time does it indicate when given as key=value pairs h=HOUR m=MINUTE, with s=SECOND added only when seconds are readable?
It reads h=10 m=37
